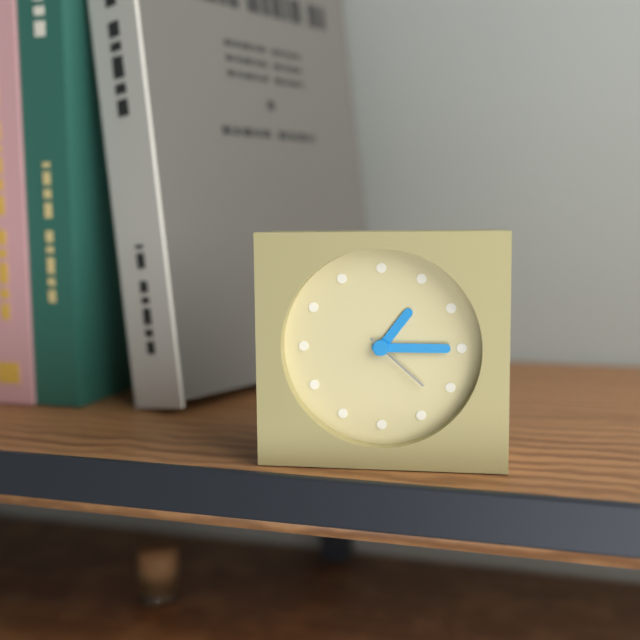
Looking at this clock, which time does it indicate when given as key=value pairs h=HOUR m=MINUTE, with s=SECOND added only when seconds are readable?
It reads h=1 m=15 s=22
